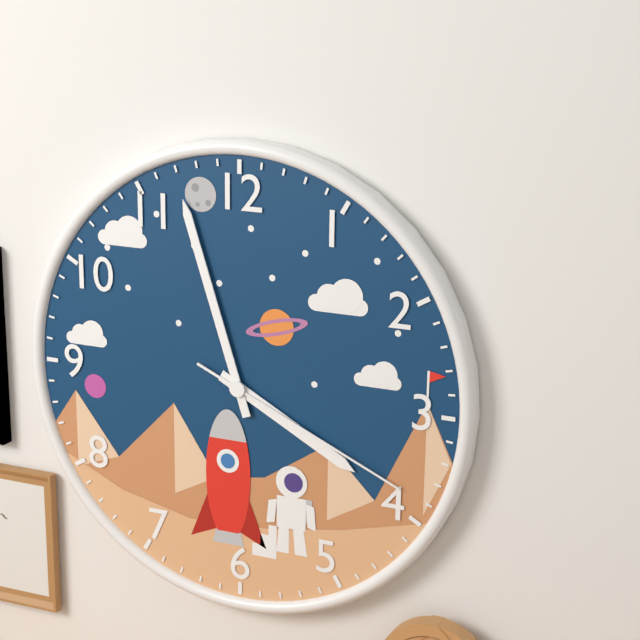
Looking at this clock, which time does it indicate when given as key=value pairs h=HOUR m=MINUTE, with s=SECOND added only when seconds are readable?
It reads h=3 m=57 s=19
